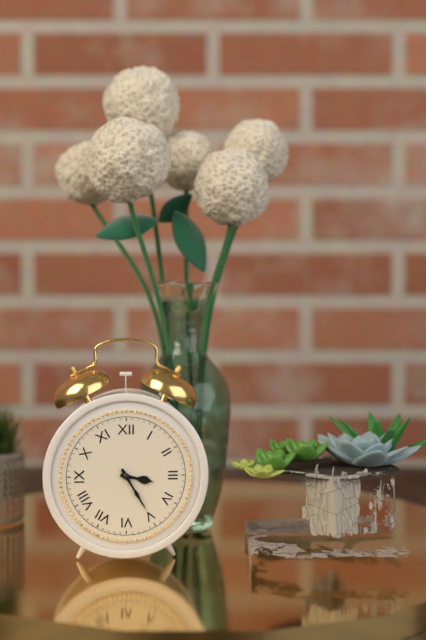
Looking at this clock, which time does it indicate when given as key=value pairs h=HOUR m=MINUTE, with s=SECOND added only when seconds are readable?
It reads h=3 m=25
